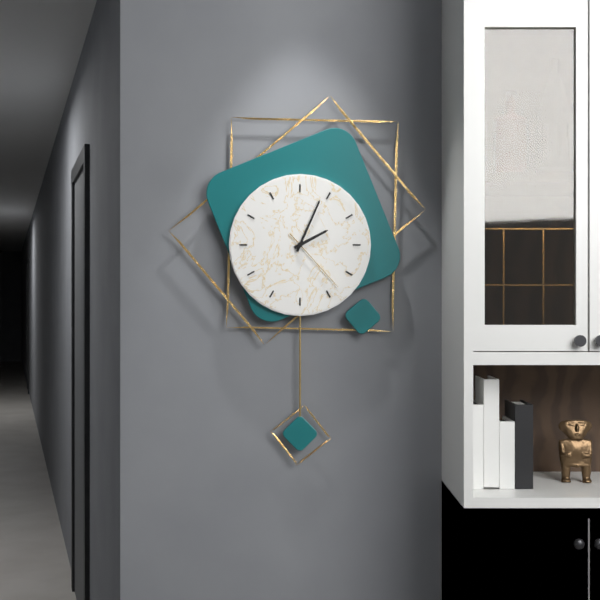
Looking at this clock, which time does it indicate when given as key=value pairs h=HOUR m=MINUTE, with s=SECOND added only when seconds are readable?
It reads h=2 m=4 s=23
